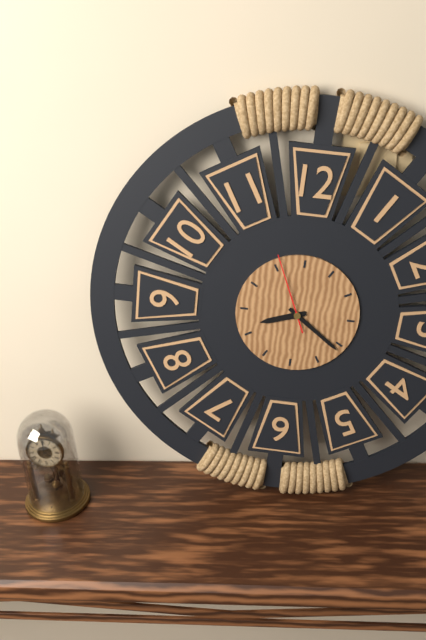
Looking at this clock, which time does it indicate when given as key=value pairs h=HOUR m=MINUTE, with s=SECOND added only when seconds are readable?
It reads h=8 m=21 s=56
